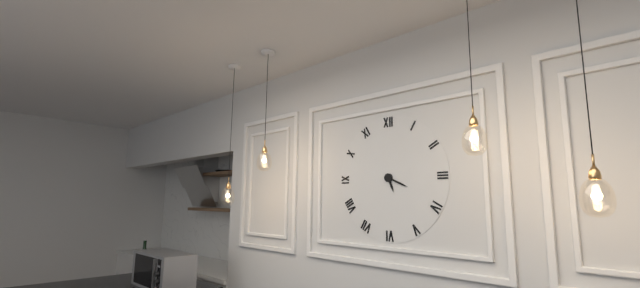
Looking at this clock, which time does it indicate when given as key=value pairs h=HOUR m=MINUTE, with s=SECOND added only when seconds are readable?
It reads h=5 m=19
